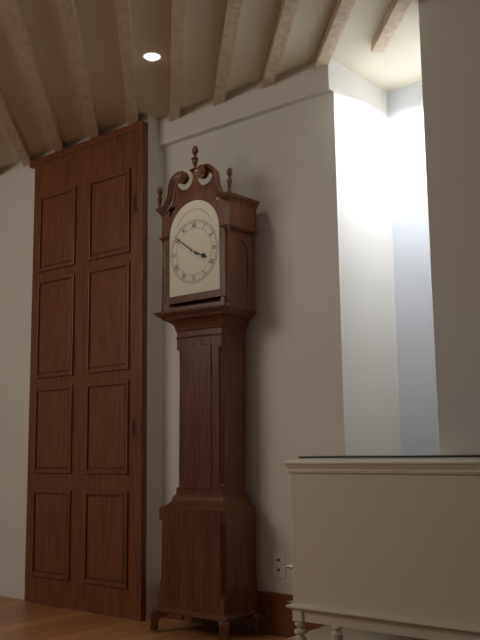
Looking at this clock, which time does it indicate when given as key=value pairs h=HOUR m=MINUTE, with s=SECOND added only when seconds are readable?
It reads h=3 m=51
